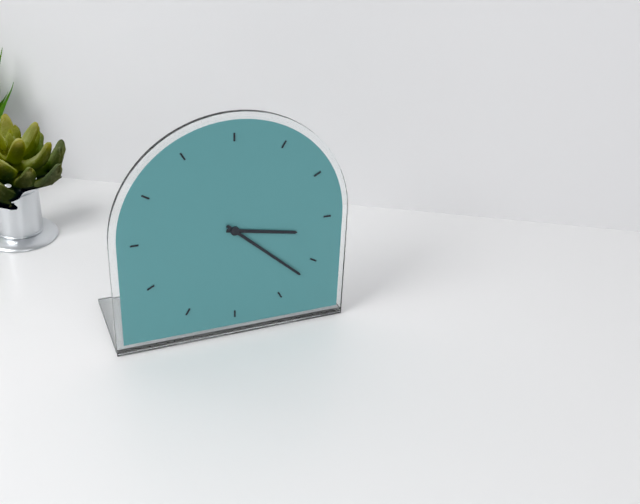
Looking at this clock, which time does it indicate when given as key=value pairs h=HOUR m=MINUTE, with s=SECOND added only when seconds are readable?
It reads h=3 m=22
